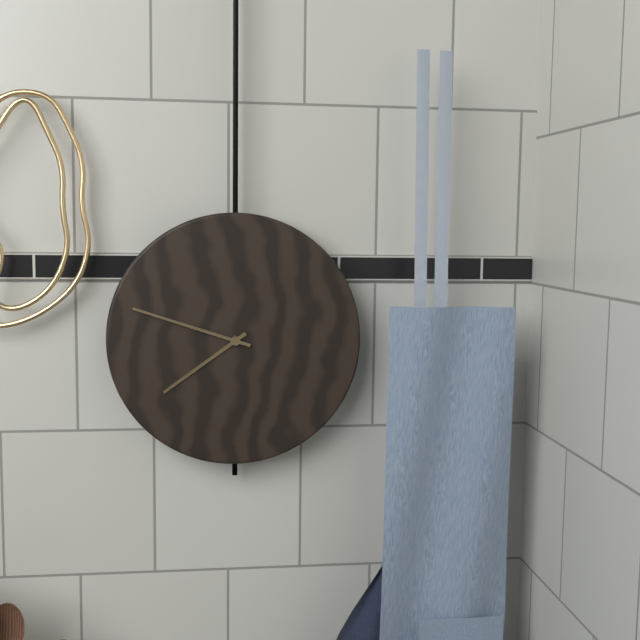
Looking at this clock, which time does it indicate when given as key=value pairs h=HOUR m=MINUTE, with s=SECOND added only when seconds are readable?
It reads h=7 m=48
